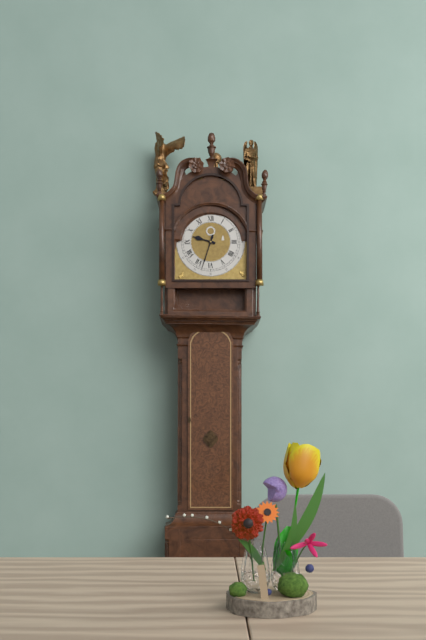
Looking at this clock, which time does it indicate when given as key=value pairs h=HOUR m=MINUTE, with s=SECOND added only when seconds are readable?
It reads h=9 m=33
